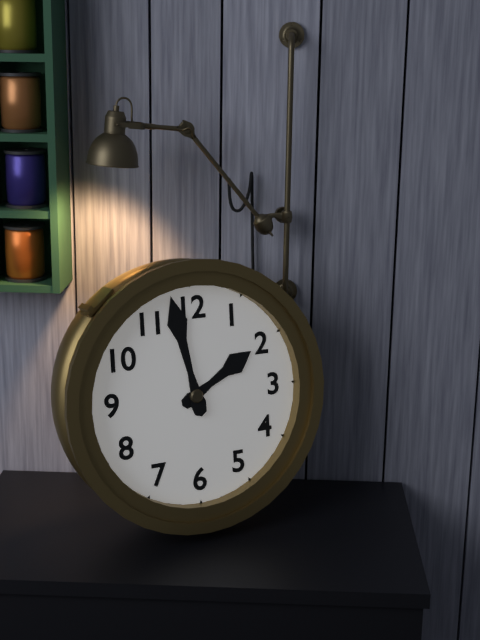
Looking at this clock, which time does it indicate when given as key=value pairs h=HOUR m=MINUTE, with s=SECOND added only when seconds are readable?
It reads h=1 m=58
